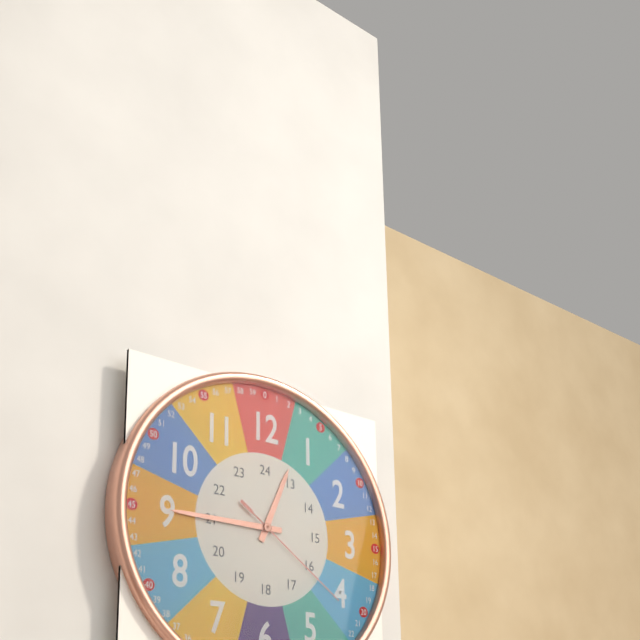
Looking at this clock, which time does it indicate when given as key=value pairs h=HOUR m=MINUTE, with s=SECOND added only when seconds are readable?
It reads h=12 m=45 s=21
